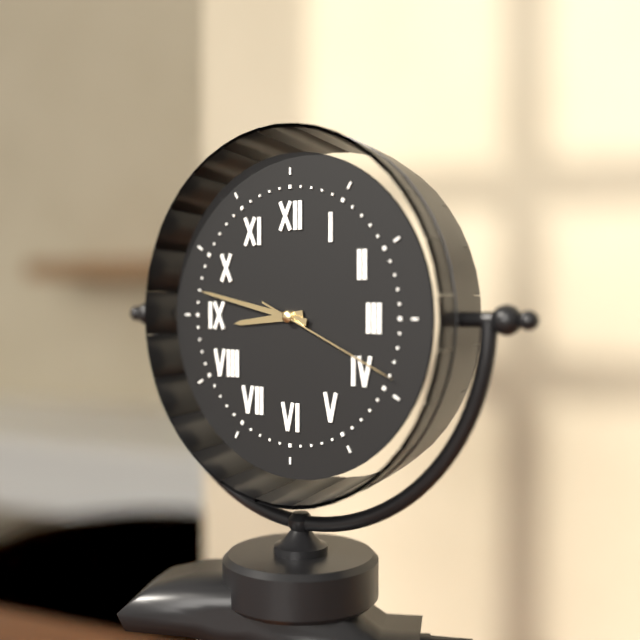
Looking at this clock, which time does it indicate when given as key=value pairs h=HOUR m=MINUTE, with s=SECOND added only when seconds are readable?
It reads h=8 m=47 s=19
